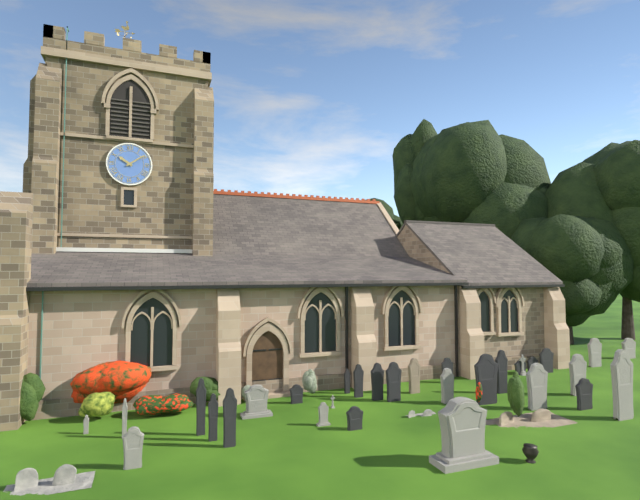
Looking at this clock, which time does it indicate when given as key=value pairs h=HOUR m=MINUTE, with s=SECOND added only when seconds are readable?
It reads h=10 m=9
